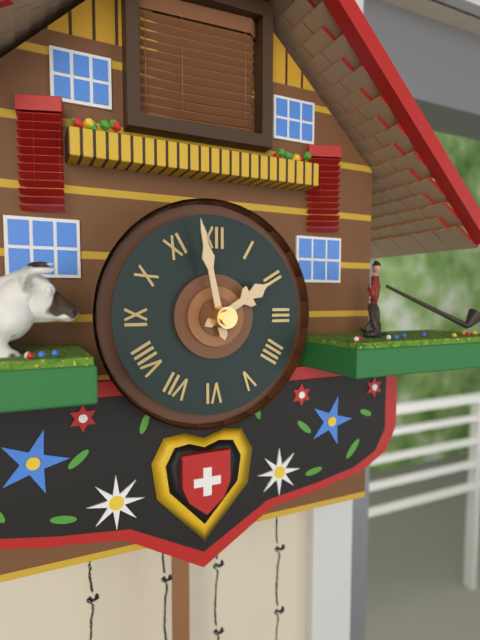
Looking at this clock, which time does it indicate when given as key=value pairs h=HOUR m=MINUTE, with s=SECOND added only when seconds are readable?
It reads h=1 m=58
